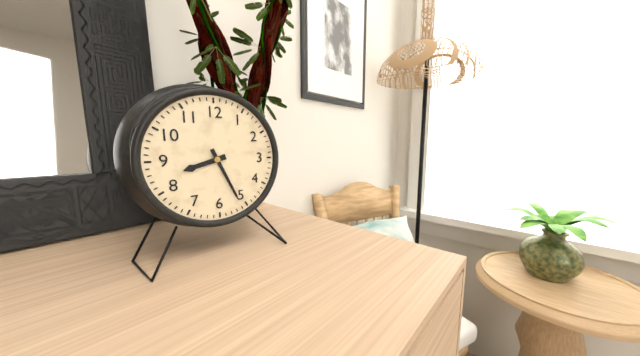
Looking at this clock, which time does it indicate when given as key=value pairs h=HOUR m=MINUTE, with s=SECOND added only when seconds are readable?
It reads h=8 m=26
